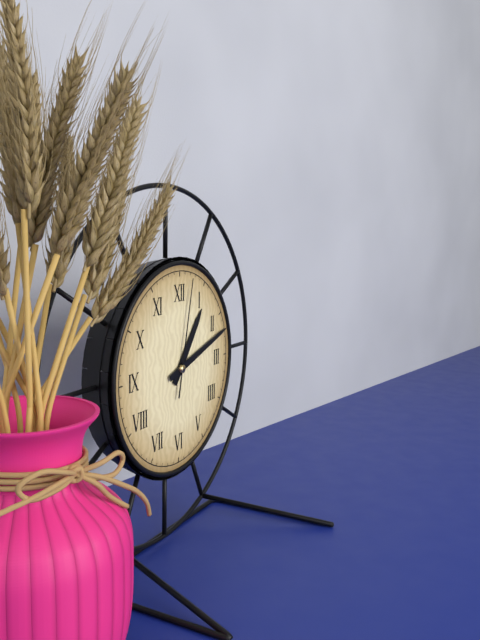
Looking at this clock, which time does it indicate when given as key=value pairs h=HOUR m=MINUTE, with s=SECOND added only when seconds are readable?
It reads h=1 m=12 s=2
